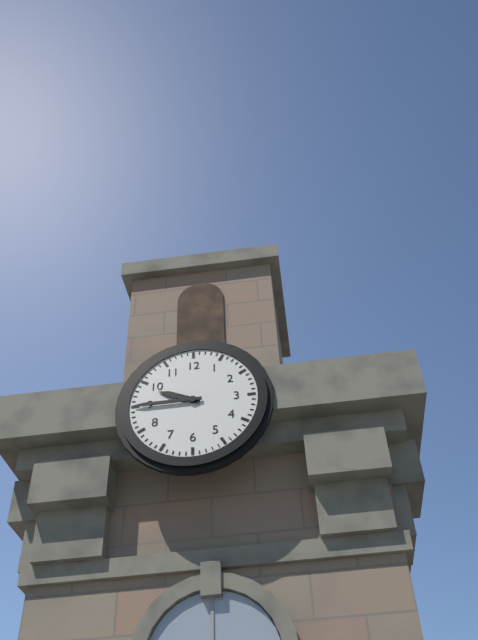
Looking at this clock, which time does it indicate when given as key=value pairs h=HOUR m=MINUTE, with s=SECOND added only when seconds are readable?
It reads h=9 m=45
